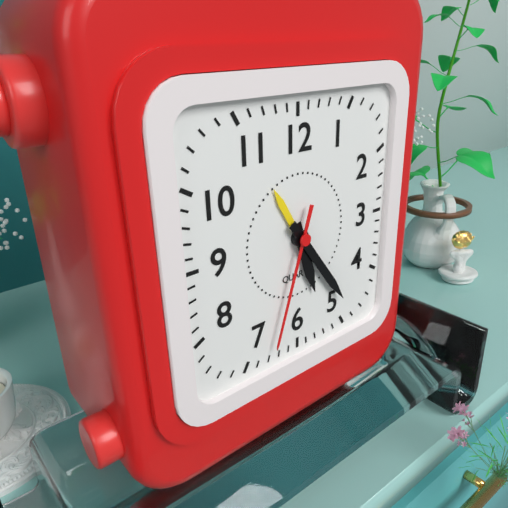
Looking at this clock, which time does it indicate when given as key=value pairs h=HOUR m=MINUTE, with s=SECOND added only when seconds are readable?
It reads h=5 m=24 s=33
